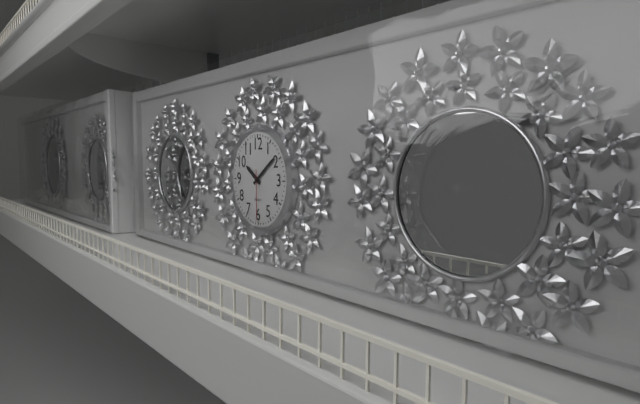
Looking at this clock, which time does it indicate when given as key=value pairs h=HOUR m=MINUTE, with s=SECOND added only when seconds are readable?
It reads h=10 m=9 s=30
